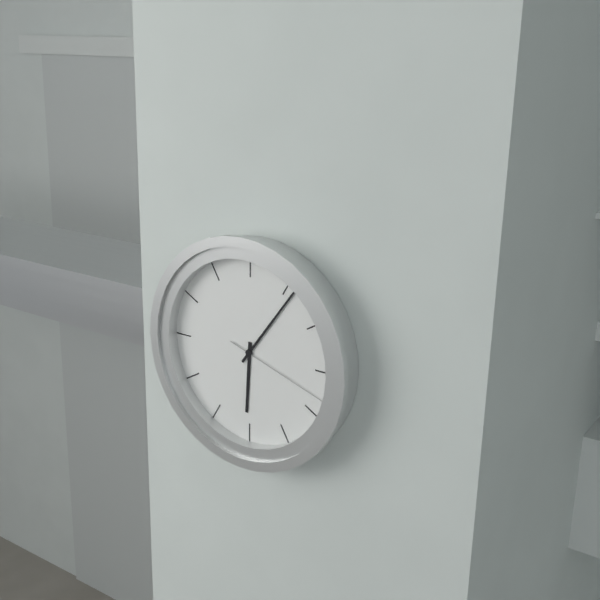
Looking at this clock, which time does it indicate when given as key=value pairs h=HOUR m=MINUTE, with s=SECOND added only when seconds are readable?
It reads h=6 m=6 s=18
